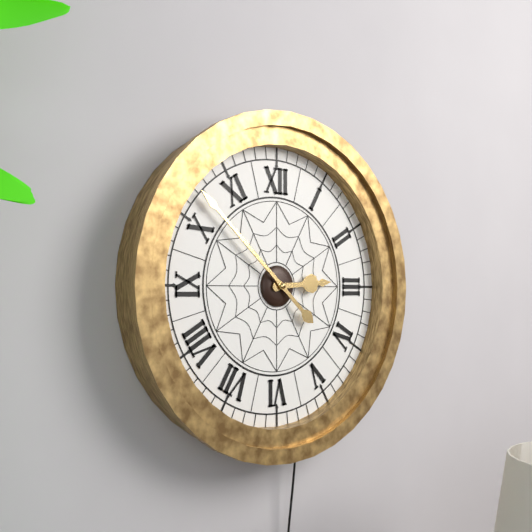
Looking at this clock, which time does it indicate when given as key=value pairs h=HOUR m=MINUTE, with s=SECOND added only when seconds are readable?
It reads h=2 m=52
